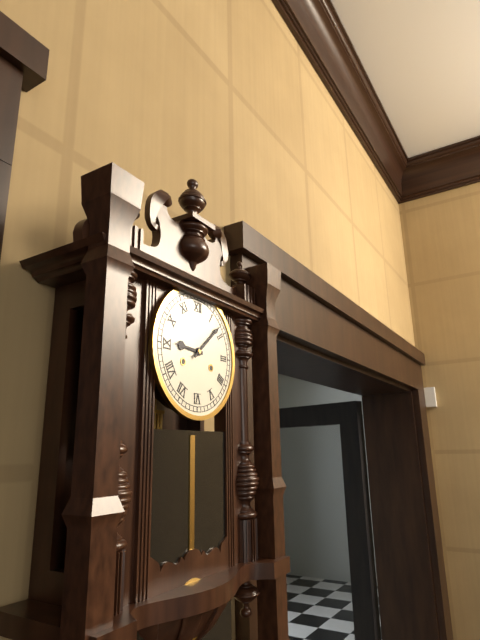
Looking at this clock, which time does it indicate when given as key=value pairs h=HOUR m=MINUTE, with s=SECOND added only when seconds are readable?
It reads h=9 m=8
